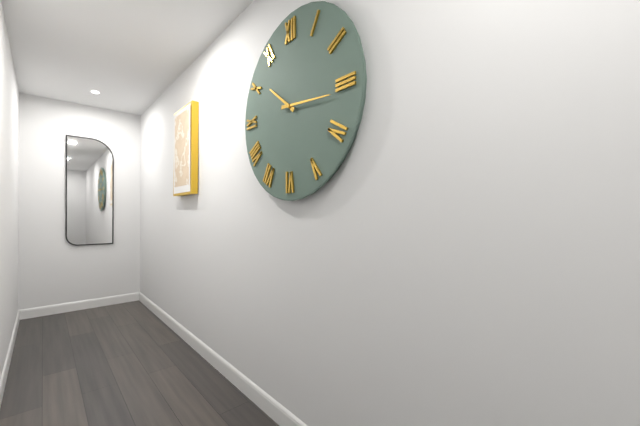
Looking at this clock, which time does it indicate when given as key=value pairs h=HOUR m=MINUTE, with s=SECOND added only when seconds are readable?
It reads h=10 m=16
